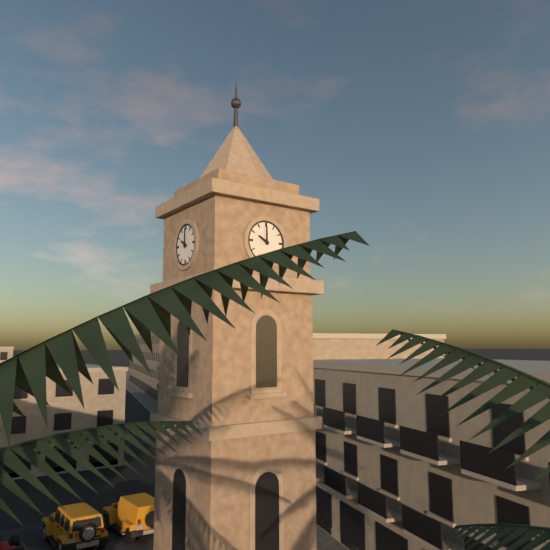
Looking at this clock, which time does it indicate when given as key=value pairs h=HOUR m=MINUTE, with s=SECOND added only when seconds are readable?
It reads h=10 m=0
